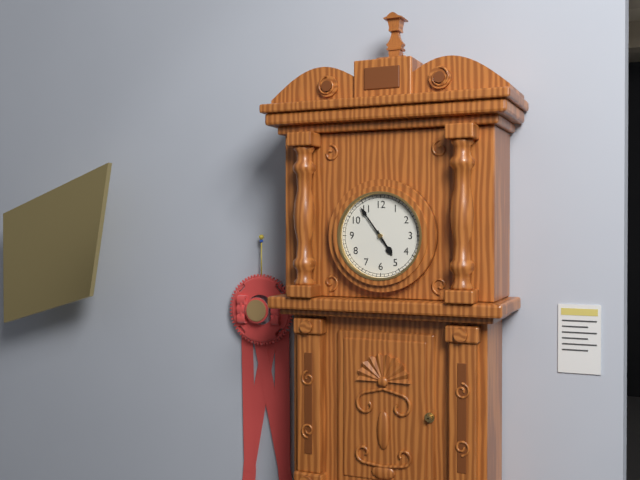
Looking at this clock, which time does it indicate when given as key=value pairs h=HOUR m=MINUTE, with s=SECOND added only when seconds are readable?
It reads h=4 m=54
